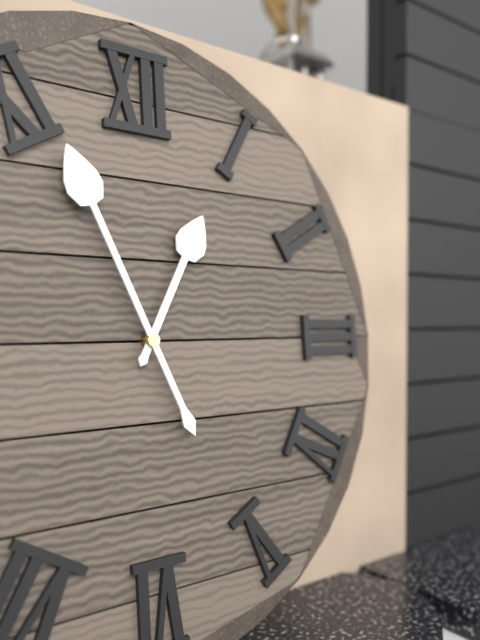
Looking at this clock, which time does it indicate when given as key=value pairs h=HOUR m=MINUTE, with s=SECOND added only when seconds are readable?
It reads h=12 m=56
